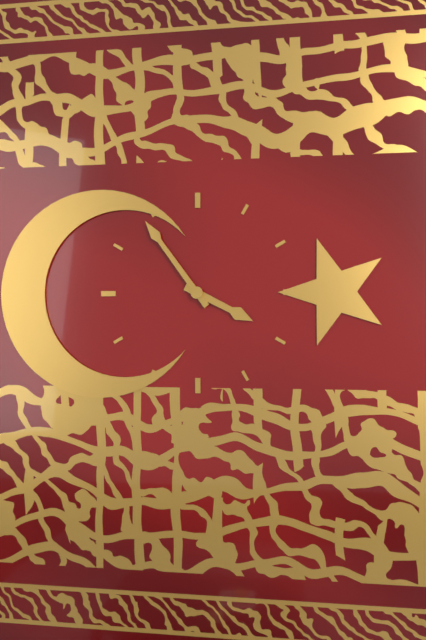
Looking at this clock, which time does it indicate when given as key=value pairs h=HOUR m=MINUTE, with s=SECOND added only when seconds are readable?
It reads h=3 m=54
